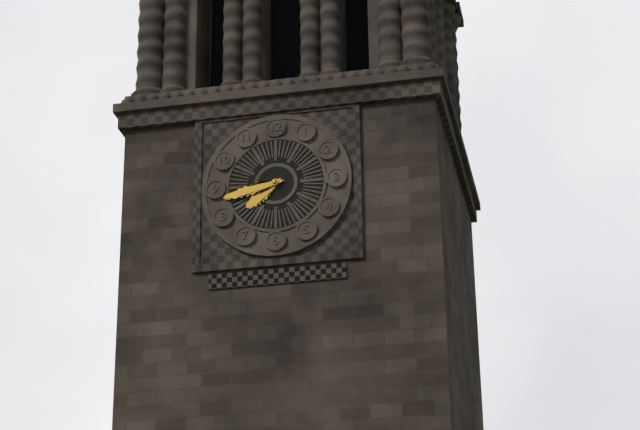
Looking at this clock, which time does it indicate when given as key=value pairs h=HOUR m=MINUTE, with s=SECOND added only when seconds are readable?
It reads h=7 m=43
